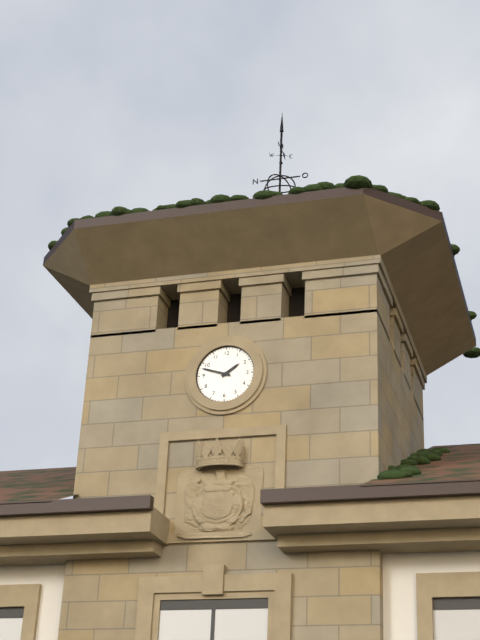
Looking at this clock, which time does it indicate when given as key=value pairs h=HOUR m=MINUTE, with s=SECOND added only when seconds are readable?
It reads h=1 m=48
